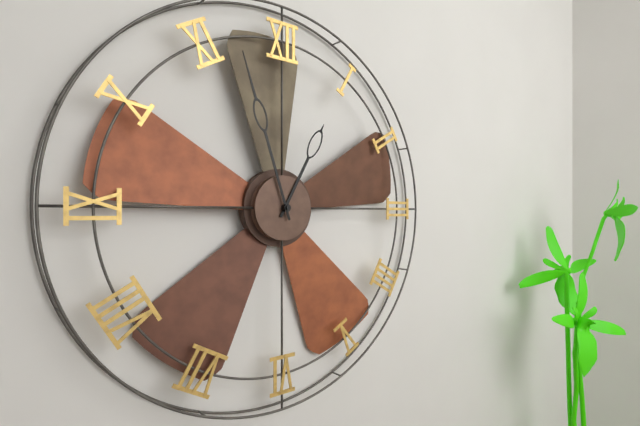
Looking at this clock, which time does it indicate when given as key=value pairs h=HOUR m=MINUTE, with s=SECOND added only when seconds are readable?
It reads h=12 m=57
